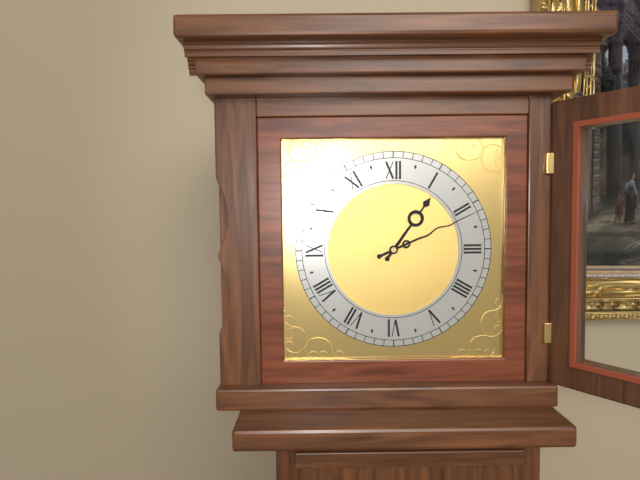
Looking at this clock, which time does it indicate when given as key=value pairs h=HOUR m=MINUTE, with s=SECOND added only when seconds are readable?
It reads h=1 m=11
